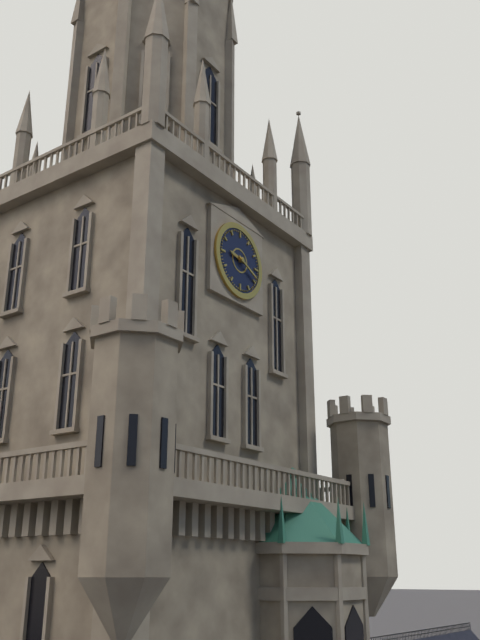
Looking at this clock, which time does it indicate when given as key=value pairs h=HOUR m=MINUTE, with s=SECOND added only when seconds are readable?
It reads h=9 m=19
